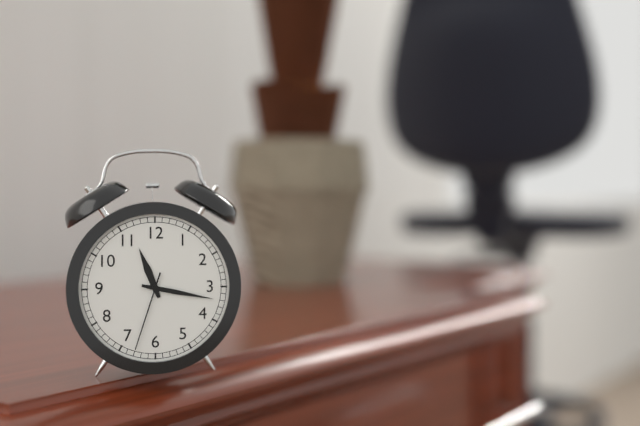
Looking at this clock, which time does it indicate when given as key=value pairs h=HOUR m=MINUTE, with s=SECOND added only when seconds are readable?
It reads h=11 m=17 s=33
